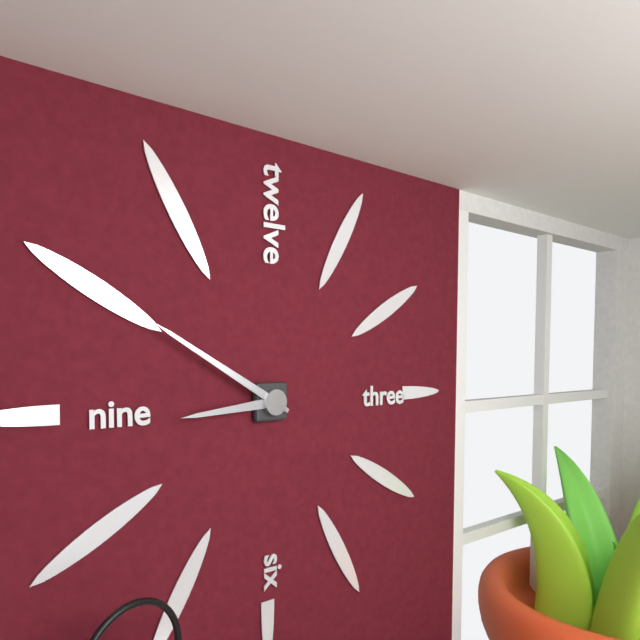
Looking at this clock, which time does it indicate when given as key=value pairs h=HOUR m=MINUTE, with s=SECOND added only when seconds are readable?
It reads h=8 m=50
